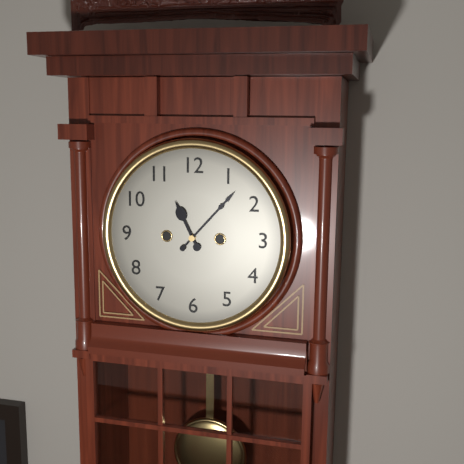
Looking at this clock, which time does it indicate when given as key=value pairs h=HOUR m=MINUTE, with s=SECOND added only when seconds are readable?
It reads h=11 m=7
